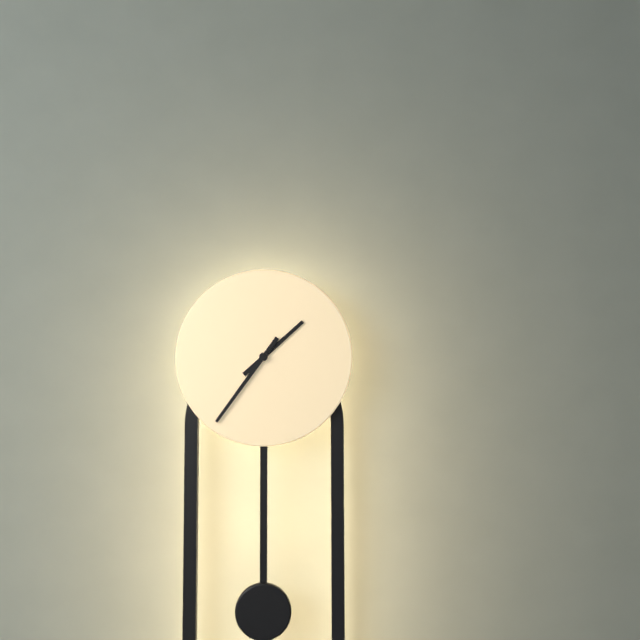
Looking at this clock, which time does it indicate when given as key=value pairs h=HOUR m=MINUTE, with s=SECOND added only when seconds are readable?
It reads h=1 m=36
